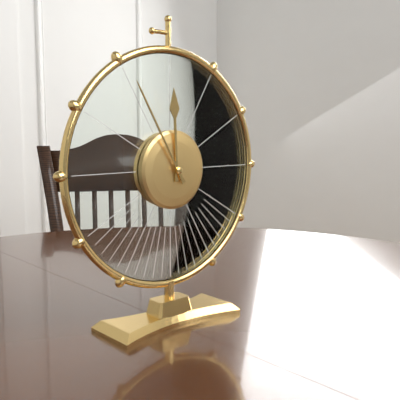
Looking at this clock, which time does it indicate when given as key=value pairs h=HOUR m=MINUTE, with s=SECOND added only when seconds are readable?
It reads h=11 m=55
